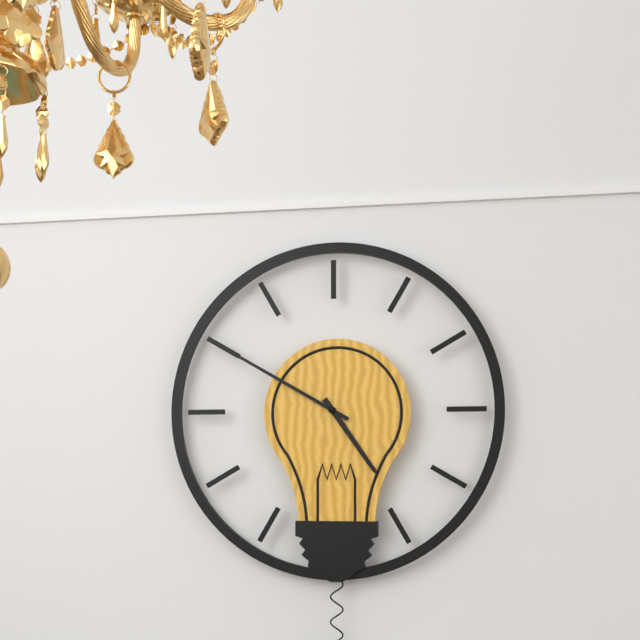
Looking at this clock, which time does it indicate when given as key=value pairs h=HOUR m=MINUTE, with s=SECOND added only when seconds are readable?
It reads h=4 m=50
